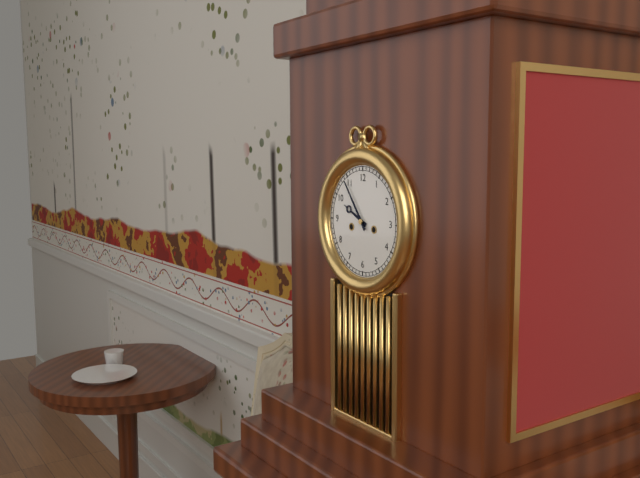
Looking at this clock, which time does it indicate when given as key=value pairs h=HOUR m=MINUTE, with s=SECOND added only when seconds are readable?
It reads h=9 m=54
